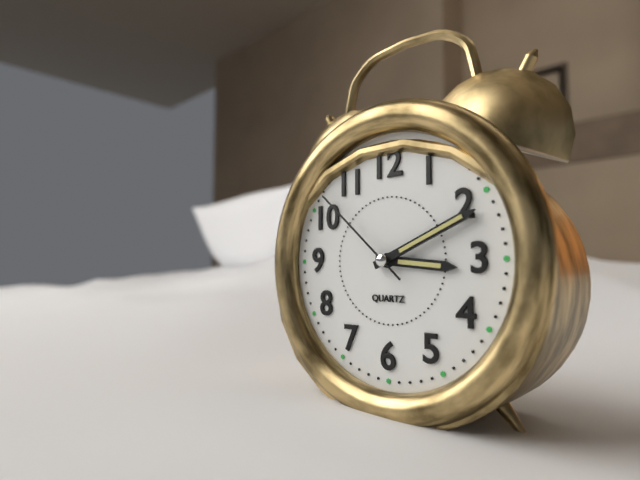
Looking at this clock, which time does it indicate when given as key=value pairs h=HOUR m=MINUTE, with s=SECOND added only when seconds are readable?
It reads h=3 m=11 s=52
